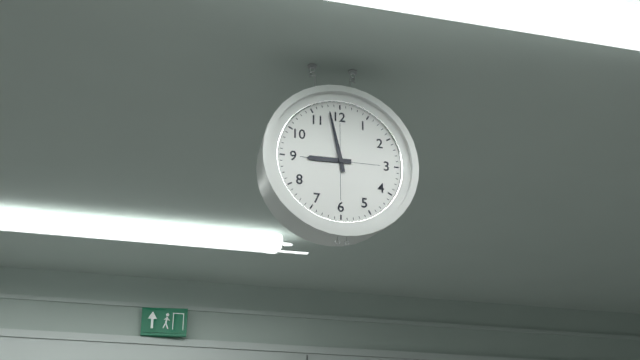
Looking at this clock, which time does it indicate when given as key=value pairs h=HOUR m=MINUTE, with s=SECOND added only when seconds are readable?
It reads h=8 m=58
